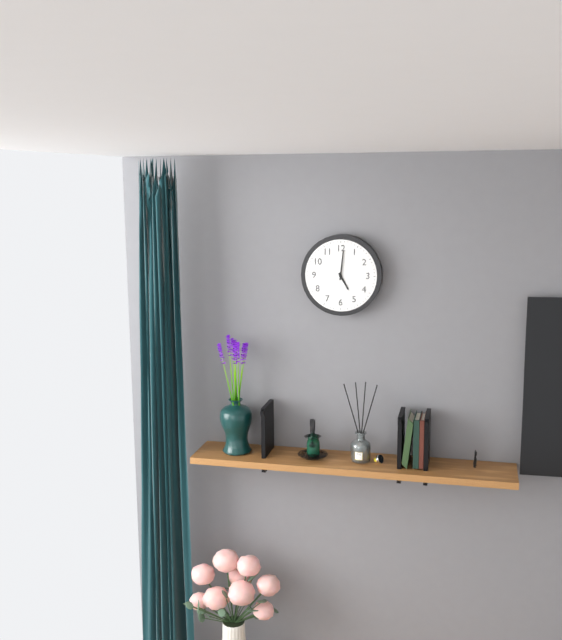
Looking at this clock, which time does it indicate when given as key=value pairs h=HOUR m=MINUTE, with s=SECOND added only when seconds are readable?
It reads h=5 m=1
